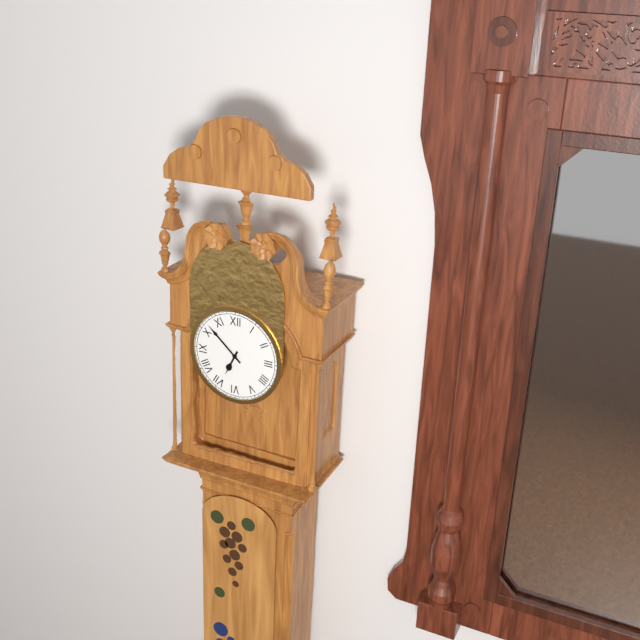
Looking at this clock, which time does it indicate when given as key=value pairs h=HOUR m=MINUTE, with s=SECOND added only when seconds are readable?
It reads h=6 m=52
